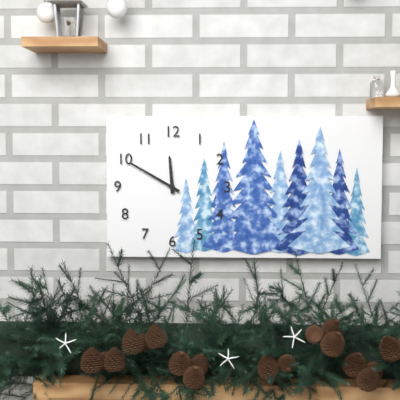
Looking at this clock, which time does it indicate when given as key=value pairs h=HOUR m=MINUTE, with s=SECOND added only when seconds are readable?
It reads h=11 m=50
